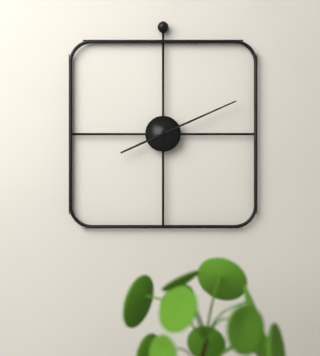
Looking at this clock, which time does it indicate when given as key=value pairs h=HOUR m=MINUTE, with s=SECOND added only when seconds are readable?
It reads h=8 m=11
